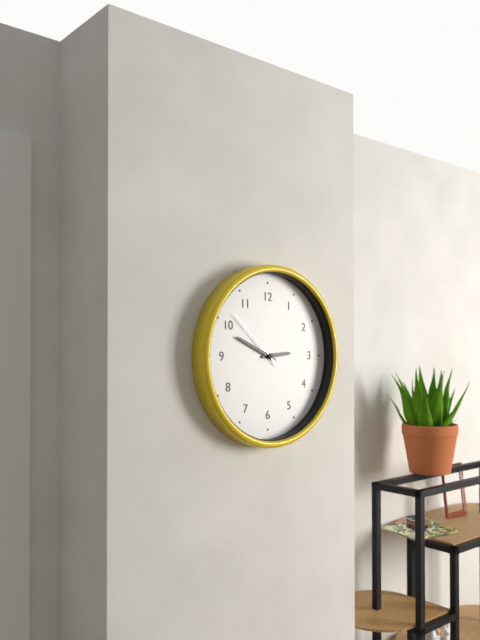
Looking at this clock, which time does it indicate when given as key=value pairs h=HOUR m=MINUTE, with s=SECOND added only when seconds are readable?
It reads h=2 m=49 s=52
